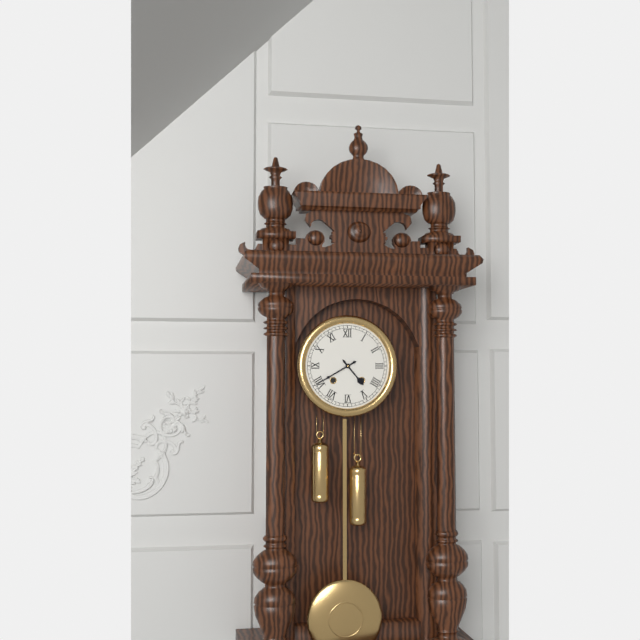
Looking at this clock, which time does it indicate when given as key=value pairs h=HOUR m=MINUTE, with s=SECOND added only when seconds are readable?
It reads h=4 m=40
